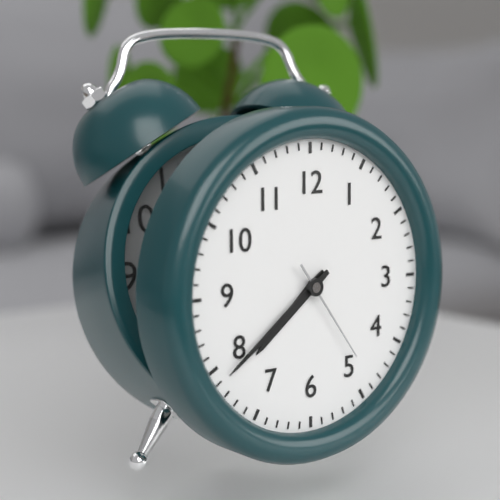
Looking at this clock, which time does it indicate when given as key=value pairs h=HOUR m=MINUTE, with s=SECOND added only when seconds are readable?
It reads h=7 m=39 s=24
